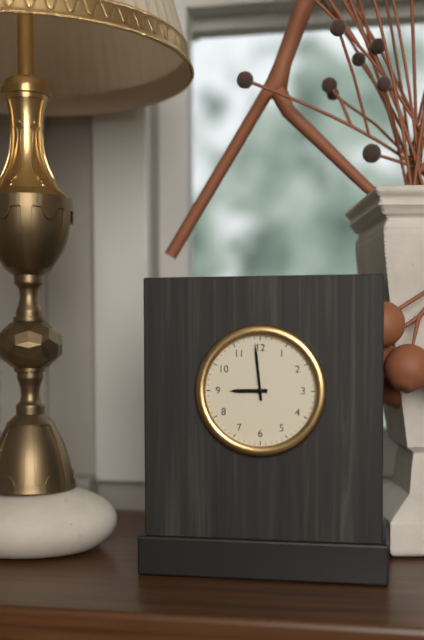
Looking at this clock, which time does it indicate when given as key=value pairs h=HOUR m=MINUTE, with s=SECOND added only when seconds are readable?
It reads h=8 m=59
